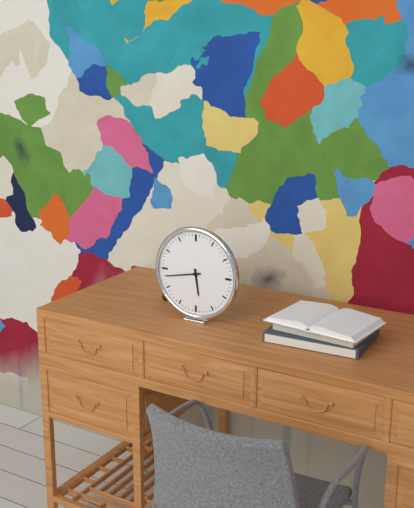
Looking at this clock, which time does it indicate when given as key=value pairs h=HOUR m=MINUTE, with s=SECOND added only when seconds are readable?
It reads h=5 m=43
